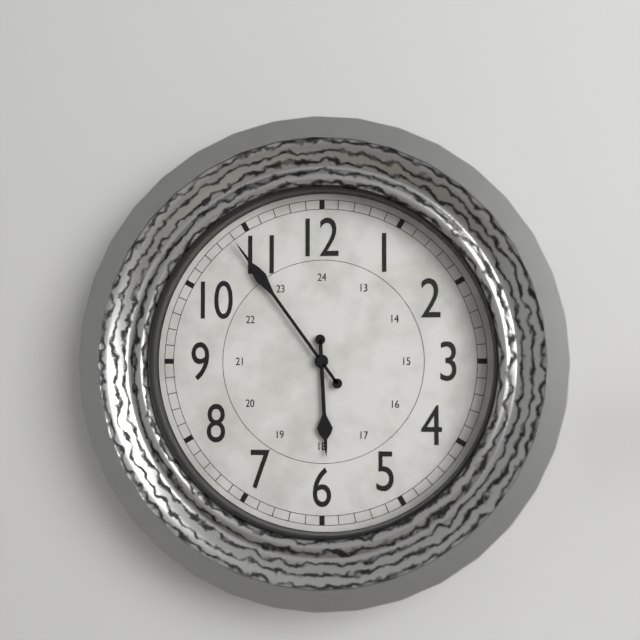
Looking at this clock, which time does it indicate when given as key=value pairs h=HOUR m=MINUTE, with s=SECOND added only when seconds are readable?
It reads h=5 m=54
